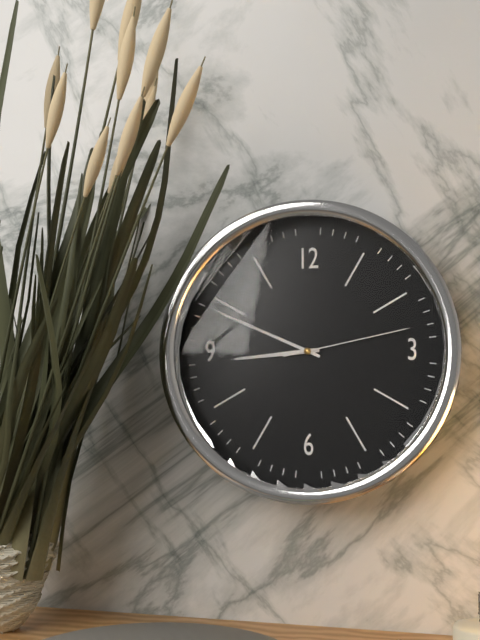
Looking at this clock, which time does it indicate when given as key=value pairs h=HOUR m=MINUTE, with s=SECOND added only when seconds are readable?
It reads h=8 m=49 s=13
